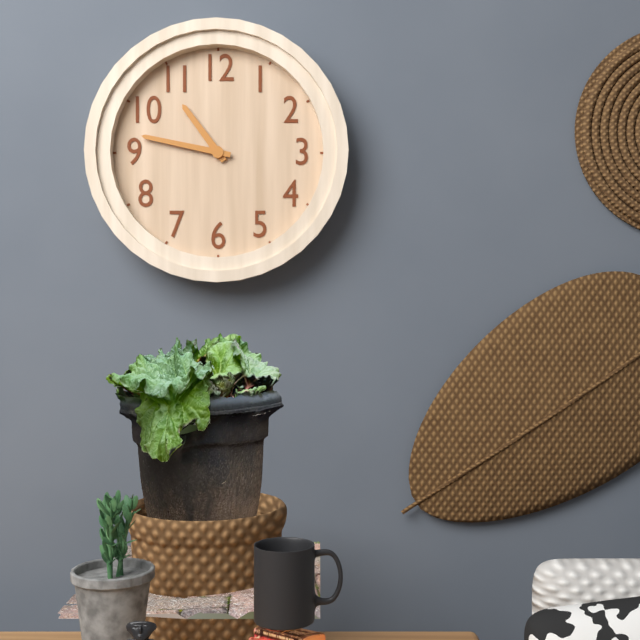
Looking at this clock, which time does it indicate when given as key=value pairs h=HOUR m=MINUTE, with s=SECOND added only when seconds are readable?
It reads h=10 m=47
